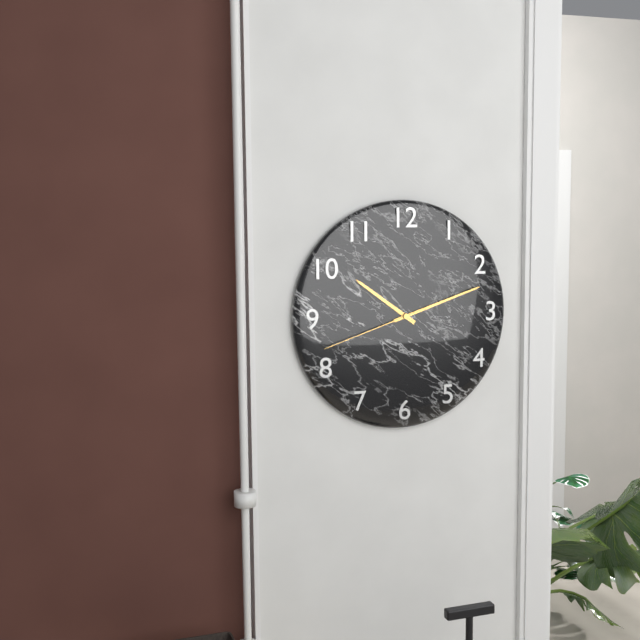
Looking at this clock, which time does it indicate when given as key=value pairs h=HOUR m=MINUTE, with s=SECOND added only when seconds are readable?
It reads h=10 m=12 s=42
